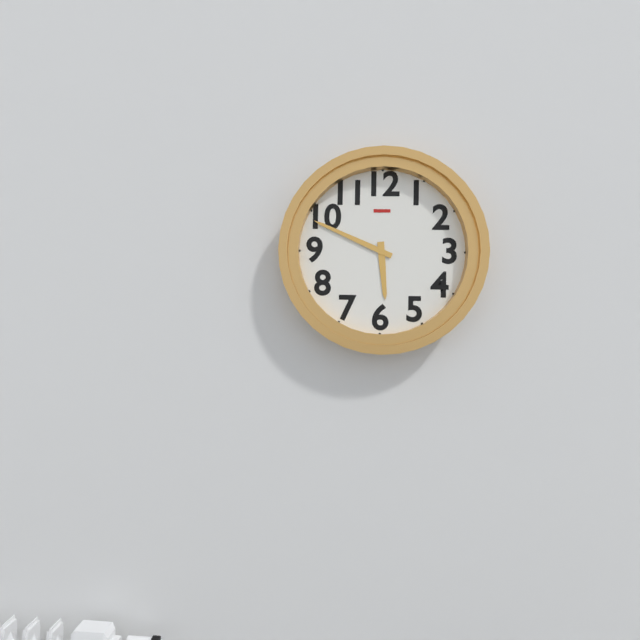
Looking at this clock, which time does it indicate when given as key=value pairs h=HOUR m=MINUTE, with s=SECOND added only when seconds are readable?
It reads h=5 m=49
